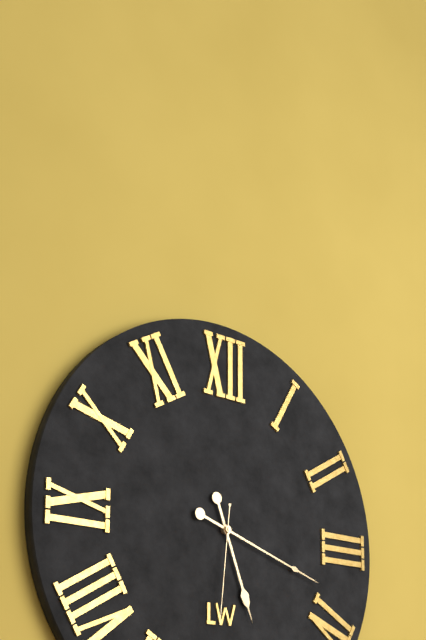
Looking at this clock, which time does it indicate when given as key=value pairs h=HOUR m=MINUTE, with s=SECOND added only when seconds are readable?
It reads h=5 m=18 s=31
